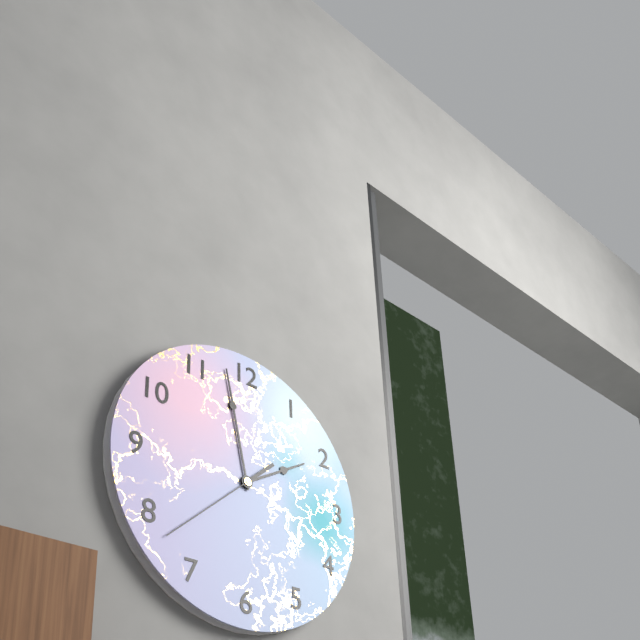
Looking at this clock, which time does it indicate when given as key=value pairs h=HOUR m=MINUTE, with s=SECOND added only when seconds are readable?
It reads h=1 m=58 s=38
